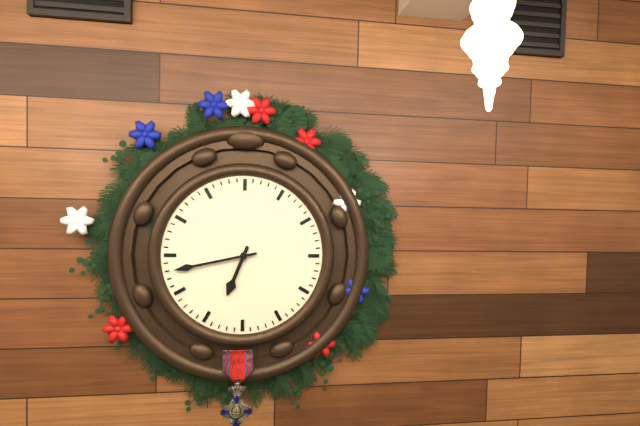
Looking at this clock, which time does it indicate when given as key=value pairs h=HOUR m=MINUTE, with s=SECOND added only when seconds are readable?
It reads h=6 m=43
